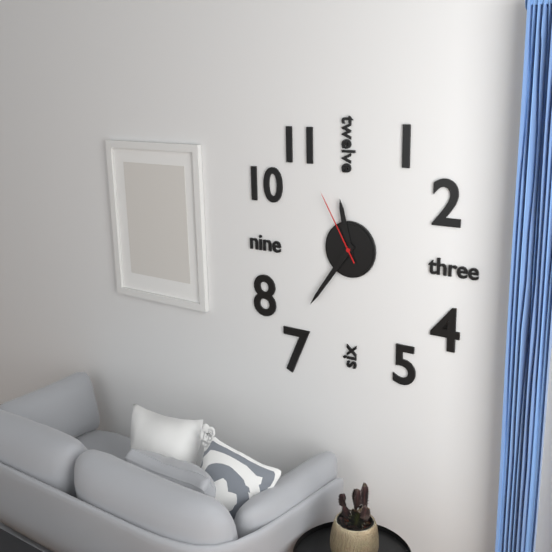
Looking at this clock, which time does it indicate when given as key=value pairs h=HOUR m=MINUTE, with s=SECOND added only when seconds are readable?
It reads h=11 m=36 s=55
